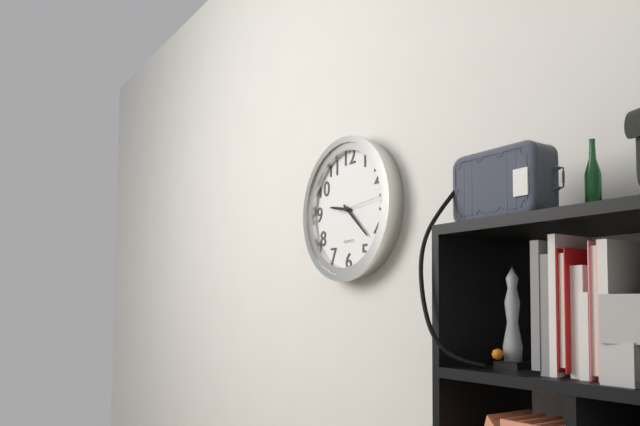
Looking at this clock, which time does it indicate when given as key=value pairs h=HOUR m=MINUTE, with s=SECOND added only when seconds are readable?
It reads h=9 m=22
